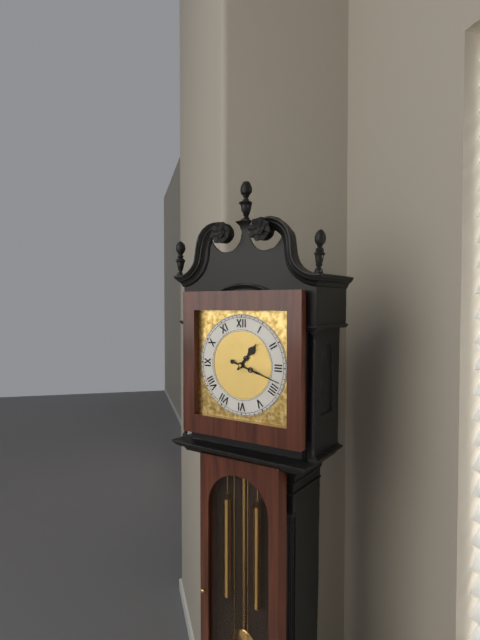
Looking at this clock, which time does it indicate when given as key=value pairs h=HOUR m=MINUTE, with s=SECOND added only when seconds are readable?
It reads h=1 m=18
